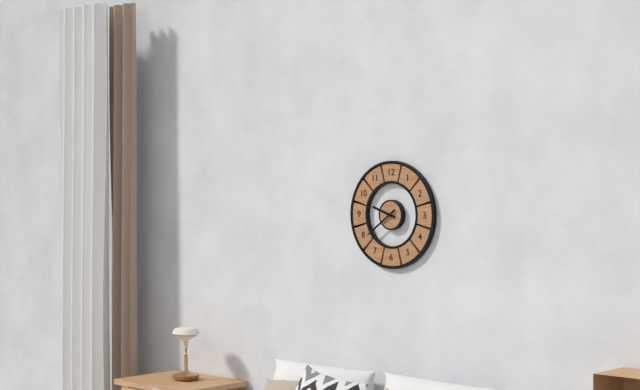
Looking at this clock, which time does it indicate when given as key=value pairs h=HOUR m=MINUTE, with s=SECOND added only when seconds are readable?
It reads h=9 m=39
